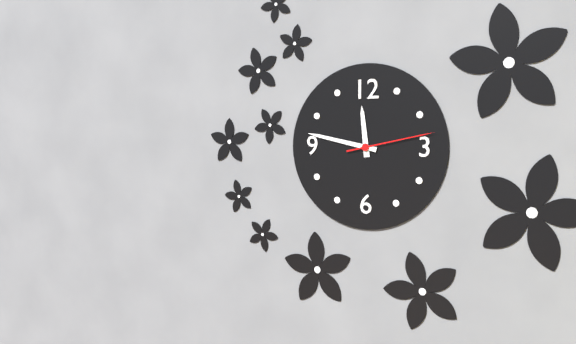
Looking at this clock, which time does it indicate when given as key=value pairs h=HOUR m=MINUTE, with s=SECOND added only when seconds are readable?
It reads h=11 m=47 s=13
